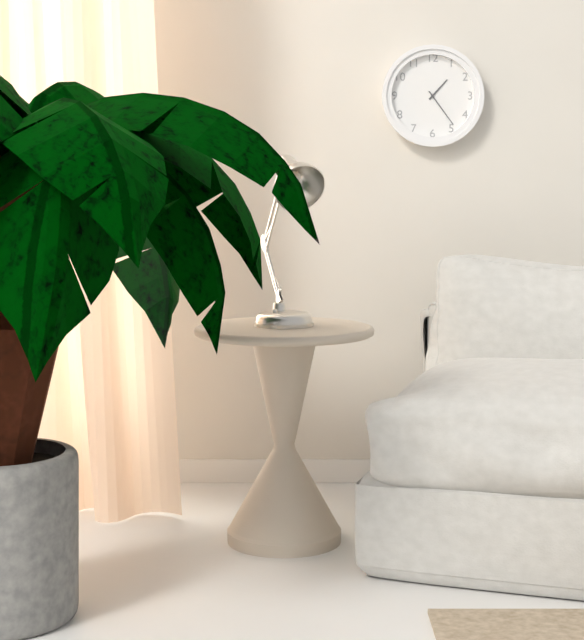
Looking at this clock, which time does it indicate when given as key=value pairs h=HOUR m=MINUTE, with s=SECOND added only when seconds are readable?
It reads h=1 m=24
